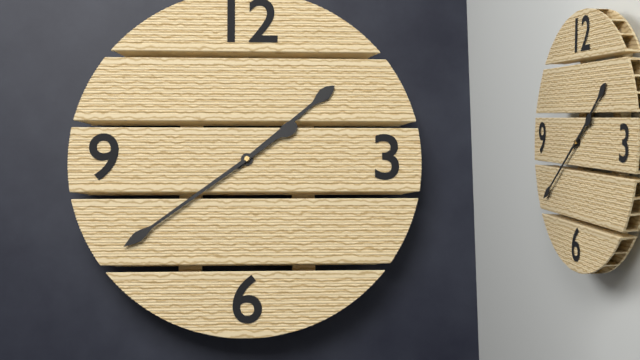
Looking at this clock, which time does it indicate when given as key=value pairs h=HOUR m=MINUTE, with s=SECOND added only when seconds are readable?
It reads h=1 m=39
